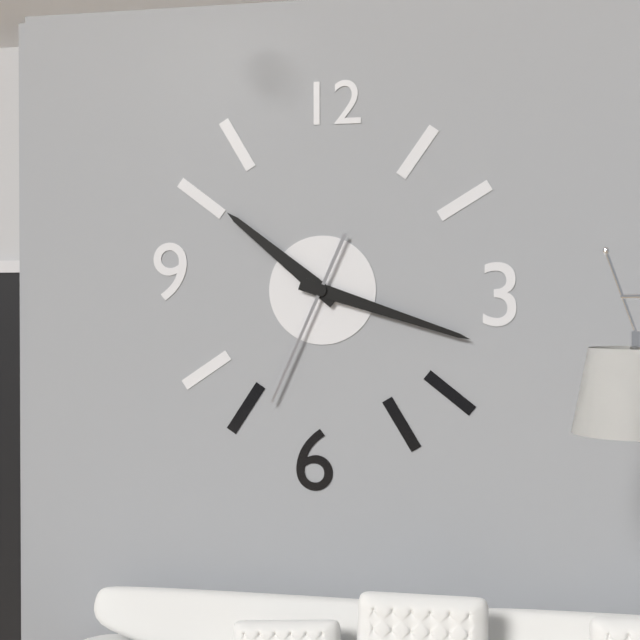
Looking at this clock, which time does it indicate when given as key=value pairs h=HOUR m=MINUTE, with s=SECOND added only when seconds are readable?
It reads h=10 m=18 s=34
